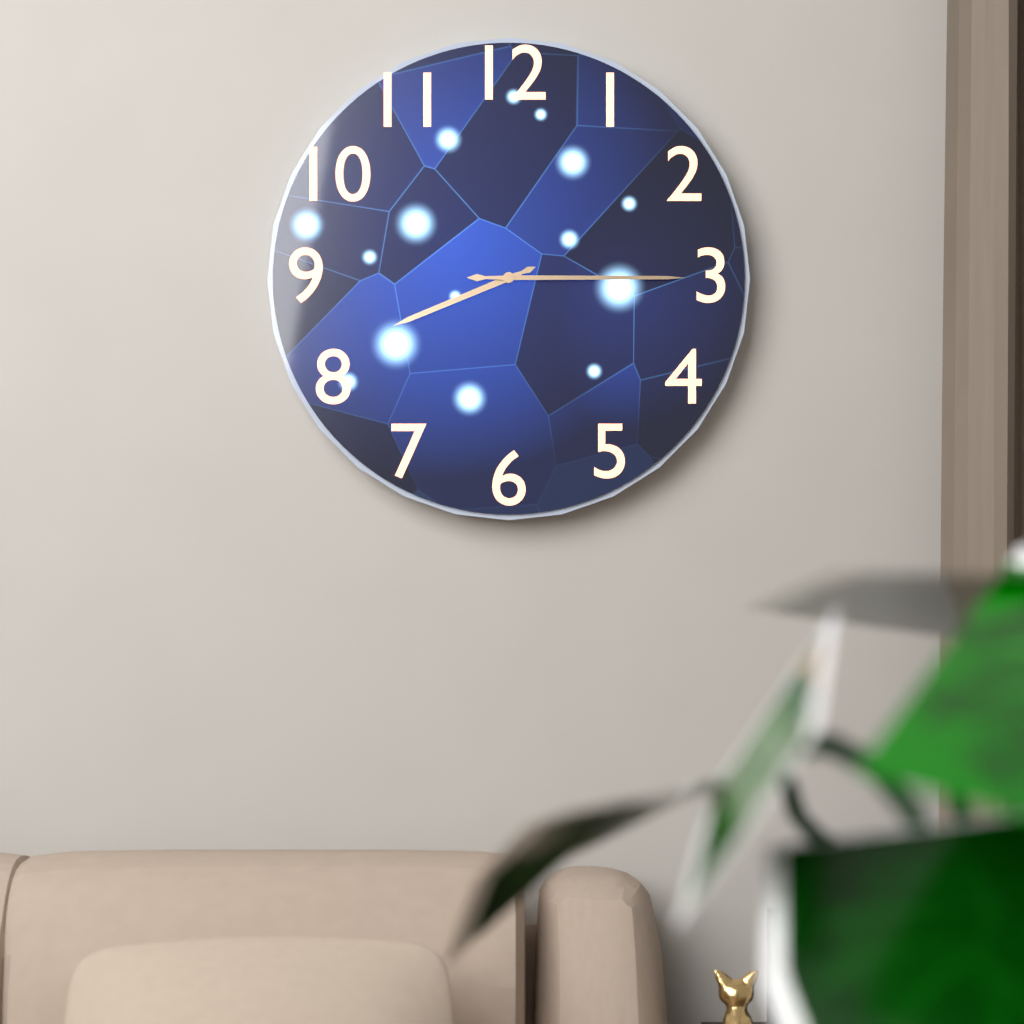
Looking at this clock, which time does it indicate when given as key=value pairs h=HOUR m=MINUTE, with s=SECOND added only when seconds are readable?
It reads h=8 m=15
